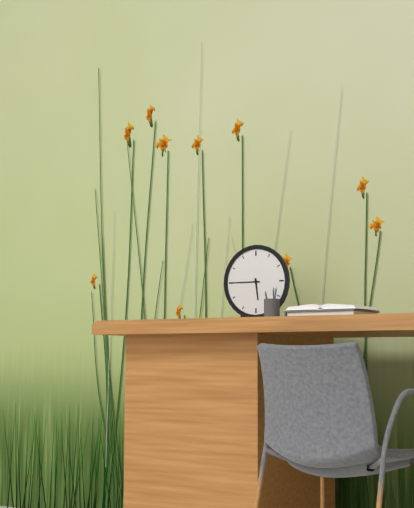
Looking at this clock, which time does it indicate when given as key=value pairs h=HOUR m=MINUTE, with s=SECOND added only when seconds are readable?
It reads h=5 m=45
